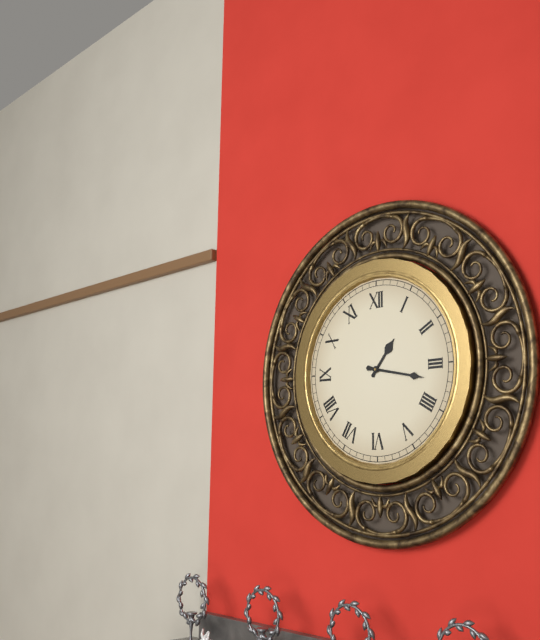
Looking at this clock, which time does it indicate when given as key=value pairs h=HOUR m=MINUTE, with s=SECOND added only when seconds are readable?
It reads h=1 m=17
